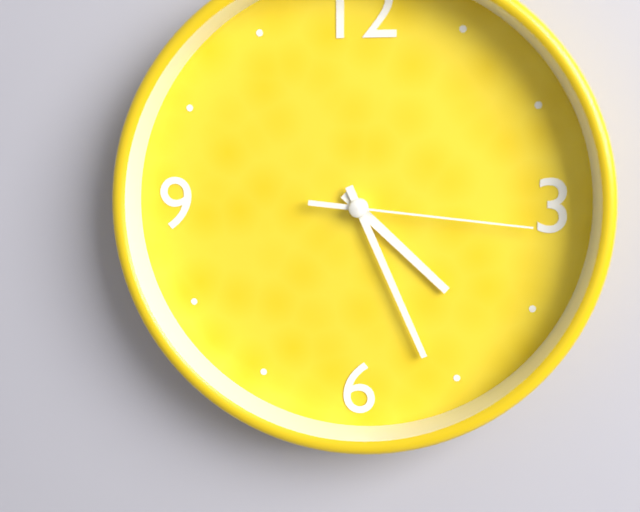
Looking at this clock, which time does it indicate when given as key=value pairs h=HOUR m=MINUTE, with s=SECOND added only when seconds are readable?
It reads h=4 m=26 s=16
